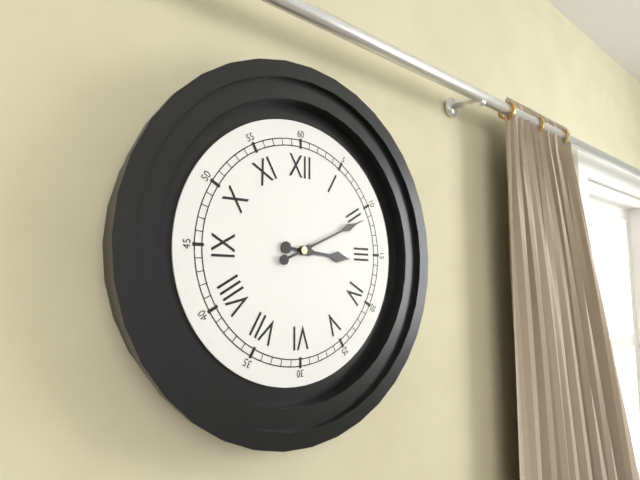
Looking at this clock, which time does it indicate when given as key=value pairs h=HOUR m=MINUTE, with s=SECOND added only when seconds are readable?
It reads h=3 m=11
